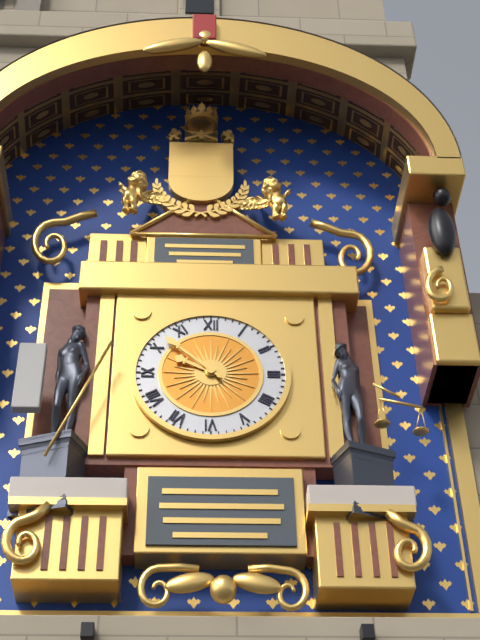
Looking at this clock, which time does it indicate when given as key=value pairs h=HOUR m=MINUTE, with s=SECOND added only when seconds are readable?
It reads h=9 m=52
